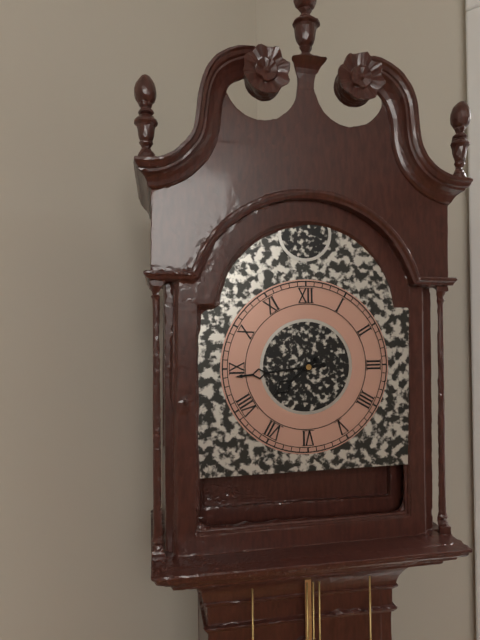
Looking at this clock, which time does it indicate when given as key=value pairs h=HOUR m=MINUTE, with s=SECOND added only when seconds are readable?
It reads h=7 m=44
